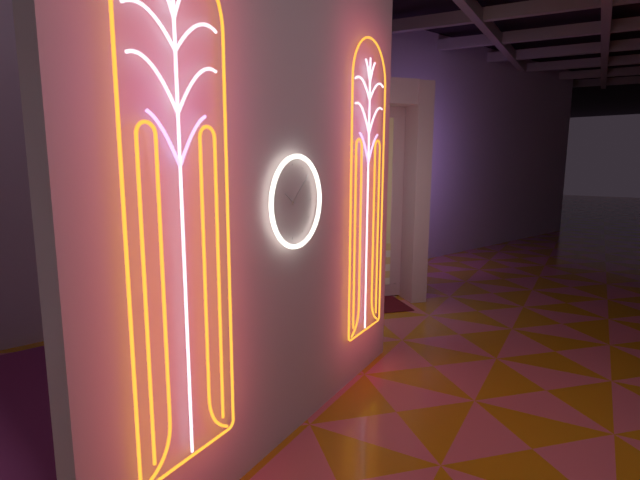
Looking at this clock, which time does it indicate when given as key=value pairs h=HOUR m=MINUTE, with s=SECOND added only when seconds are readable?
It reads h=10 m=8
